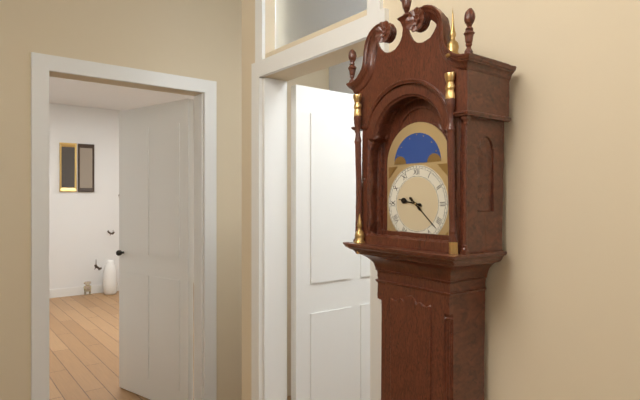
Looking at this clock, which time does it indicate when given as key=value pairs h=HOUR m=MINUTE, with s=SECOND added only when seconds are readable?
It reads h=9 m=22
